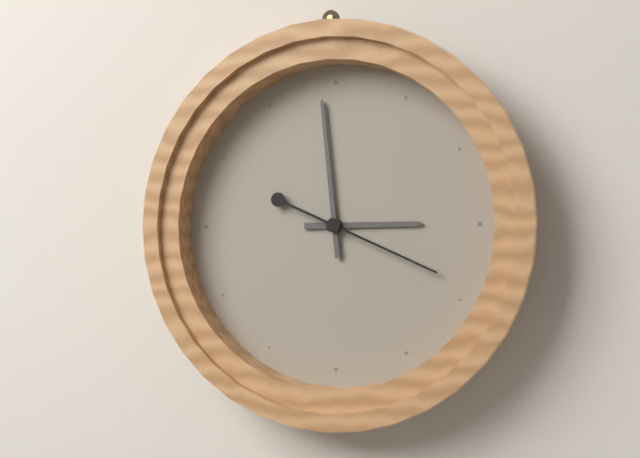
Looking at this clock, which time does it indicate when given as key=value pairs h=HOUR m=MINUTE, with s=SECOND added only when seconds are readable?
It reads h=2 m=59 s=19
